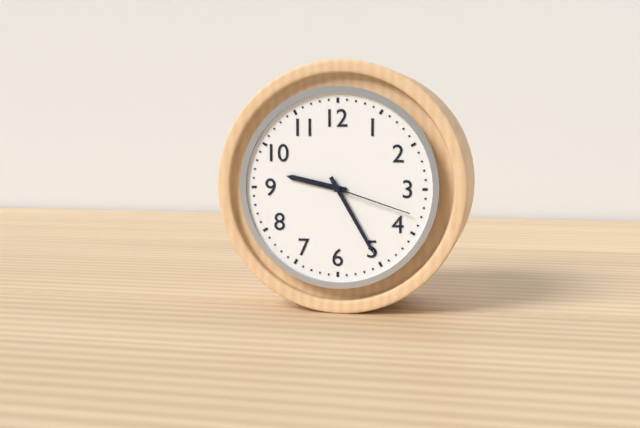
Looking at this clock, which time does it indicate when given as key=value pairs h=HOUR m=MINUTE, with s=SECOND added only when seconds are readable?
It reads h=9 m=25 s=18
